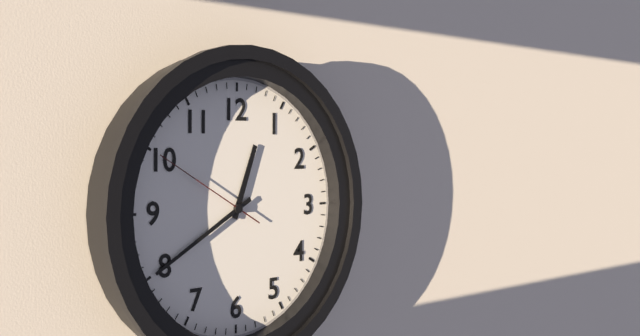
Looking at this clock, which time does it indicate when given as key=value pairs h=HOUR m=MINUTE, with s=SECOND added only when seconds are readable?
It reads h=12 m=40 s=50
